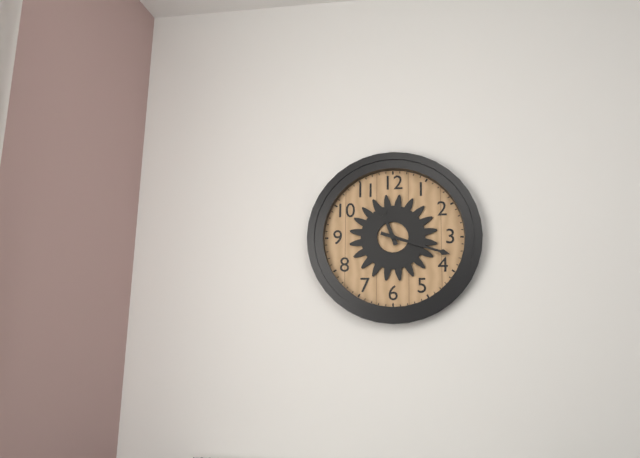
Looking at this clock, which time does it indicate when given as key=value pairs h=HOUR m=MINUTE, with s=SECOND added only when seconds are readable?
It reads h=11 m=18
